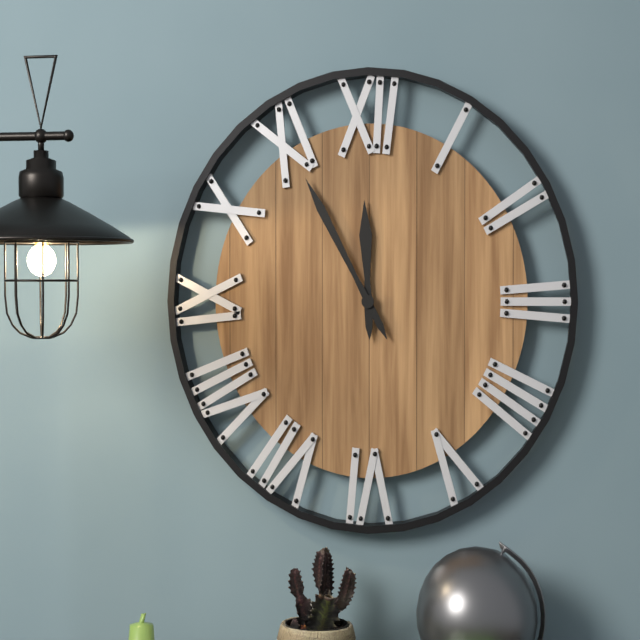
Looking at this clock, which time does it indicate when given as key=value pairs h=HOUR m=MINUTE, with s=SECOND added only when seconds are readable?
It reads h=11 m=55
